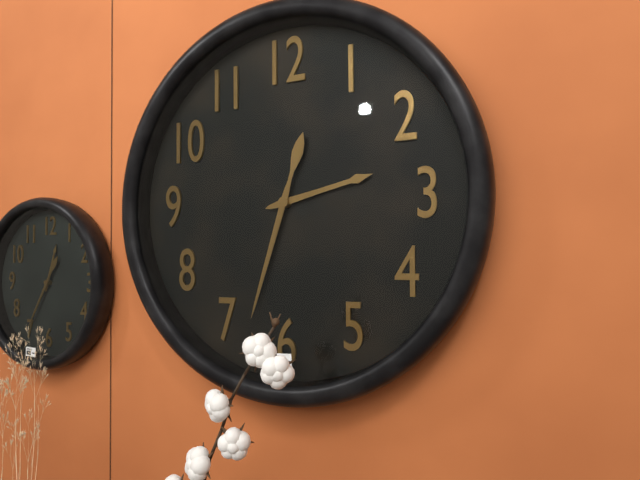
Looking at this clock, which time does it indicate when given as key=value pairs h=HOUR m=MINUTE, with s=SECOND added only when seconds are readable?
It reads h=2 m=33
